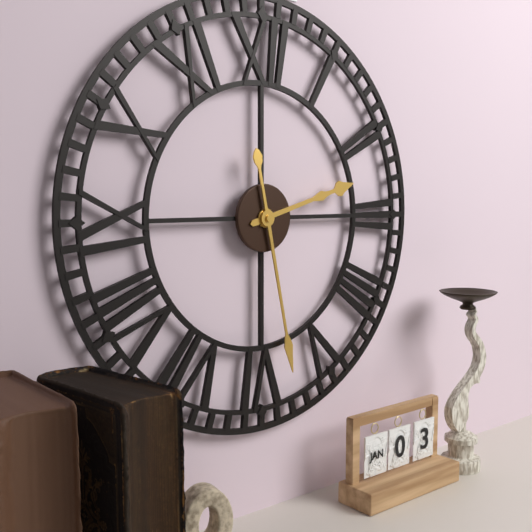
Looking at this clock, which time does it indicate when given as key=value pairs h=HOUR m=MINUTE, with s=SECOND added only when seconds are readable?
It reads h=2 m=28
